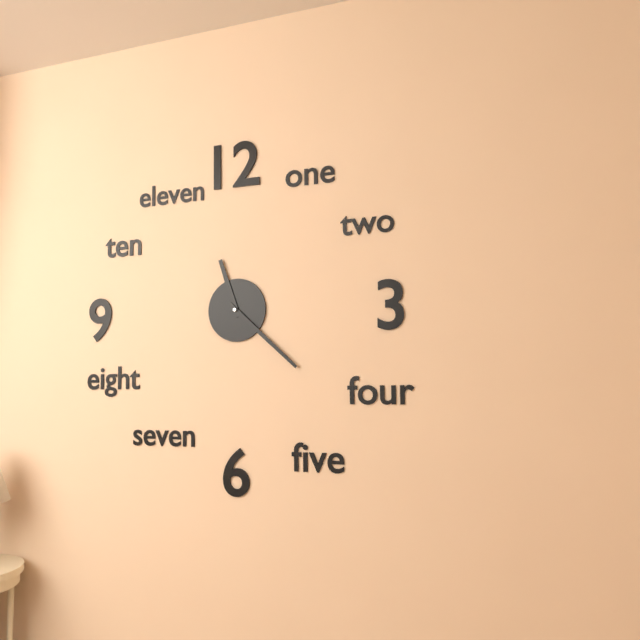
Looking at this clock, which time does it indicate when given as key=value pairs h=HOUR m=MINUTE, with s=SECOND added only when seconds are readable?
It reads h=11 m=22
